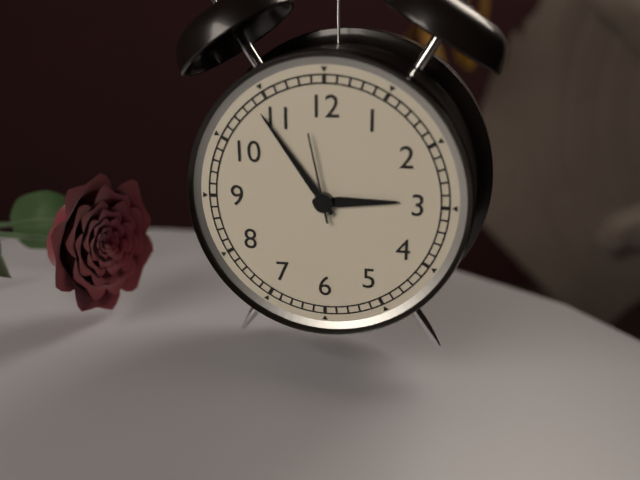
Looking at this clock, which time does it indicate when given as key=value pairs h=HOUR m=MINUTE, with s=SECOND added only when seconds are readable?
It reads h=2 m=54 s=58
